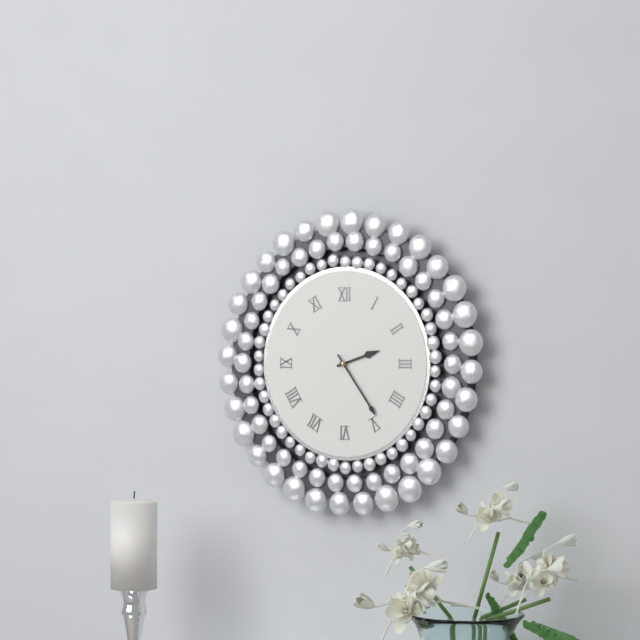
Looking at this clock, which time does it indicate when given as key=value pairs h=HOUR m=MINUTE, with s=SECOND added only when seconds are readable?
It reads h=2 m=24
